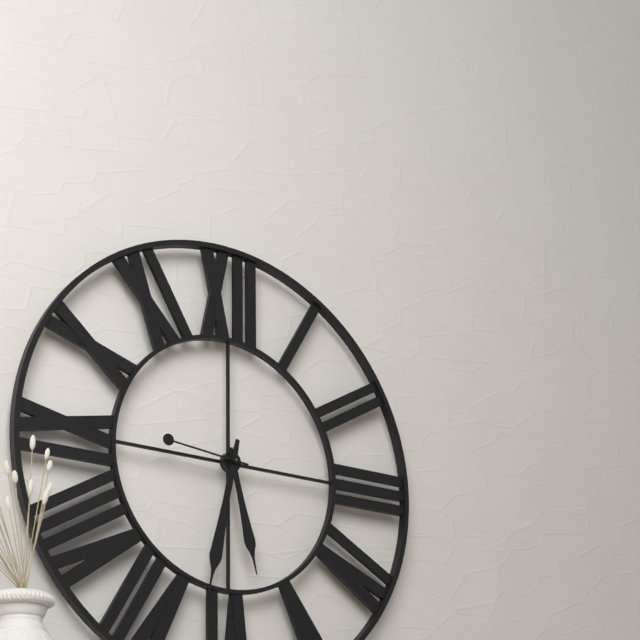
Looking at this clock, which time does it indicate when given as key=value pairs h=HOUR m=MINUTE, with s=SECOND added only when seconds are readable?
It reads h=5 m=32 s=46
